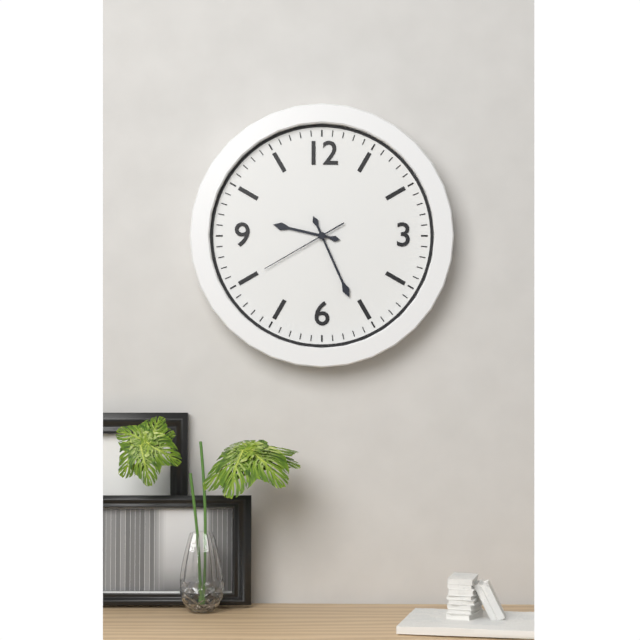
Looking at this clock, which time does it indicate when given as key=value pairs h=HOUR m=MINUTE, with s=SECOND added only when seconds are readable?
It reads h=9 m=26 s=40
